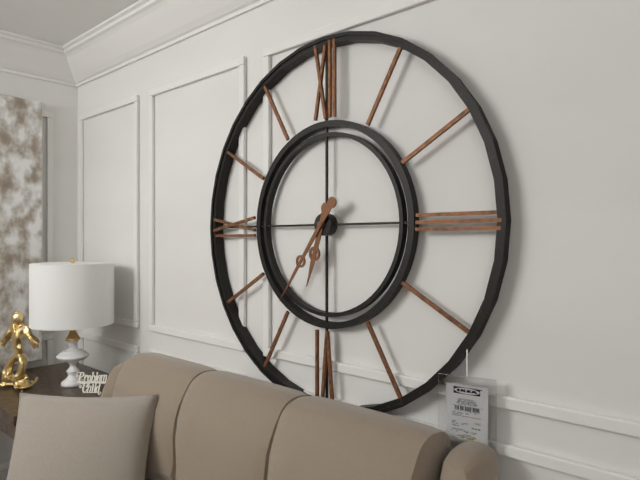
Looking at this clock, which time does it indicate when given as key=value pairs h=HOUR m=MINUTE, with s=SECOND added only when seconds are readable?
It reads h=6 m=36
